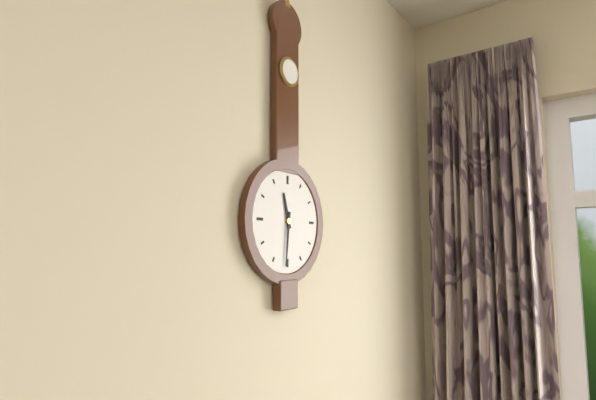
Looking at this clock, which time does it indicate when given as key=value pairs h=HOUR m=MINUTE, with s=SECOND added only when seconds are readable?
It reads h=11 m=31
